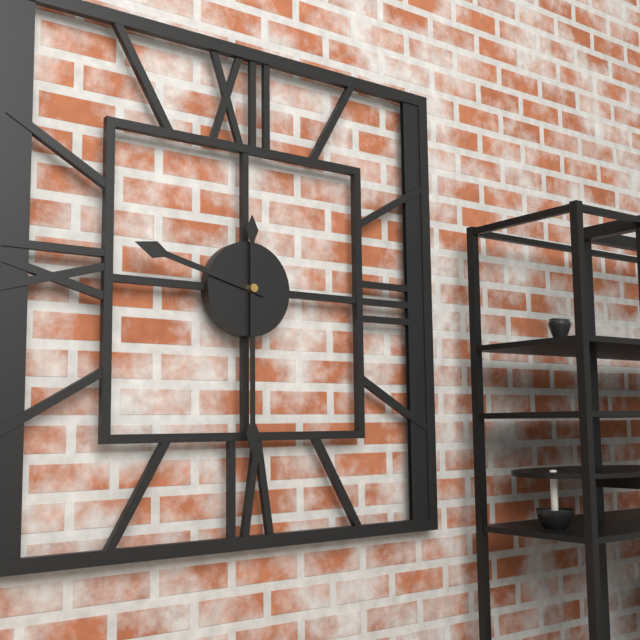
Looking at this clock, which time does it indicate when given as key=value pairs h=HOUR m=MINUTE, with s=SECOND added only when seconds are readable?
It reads h=9 m=30
